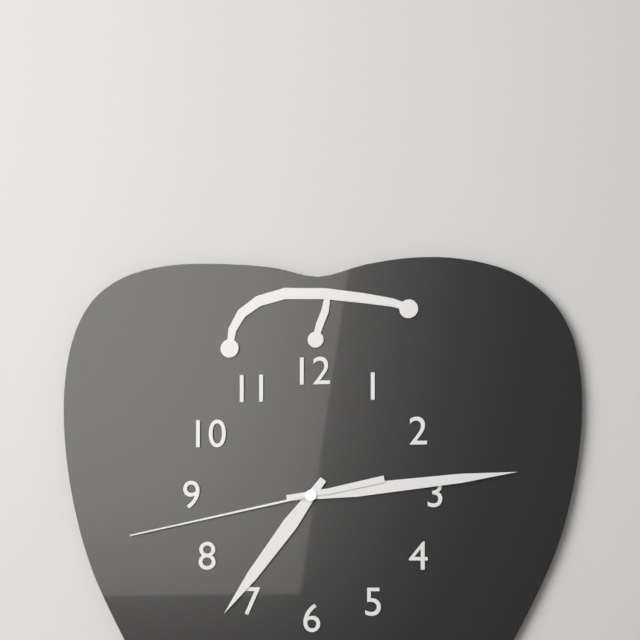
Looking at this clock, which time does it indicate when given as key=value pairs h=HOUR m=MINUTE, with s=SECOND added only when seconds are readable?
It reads h=7 m=14 s=43
